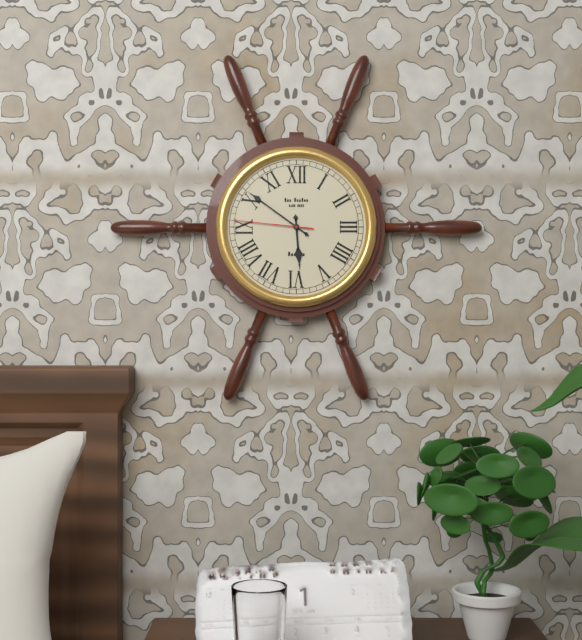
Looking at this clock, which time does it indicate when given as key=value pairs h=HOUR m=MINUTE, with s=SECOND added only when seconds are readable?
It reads h=5 m=51 s=46
